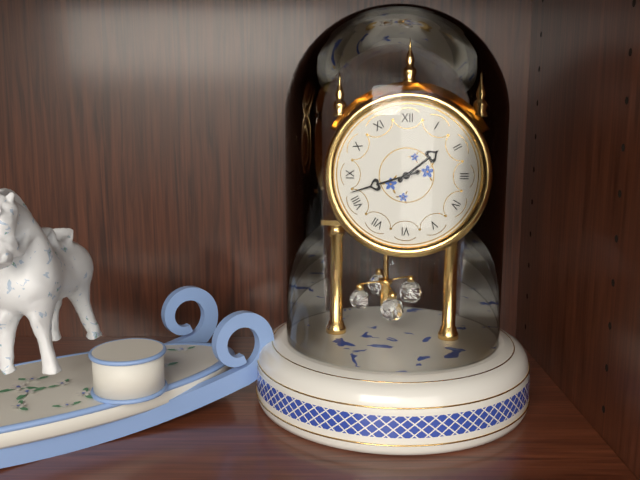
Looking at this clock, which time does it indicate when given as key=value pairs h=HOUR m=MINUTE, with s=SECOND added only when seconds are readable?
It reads h=1 m=42
